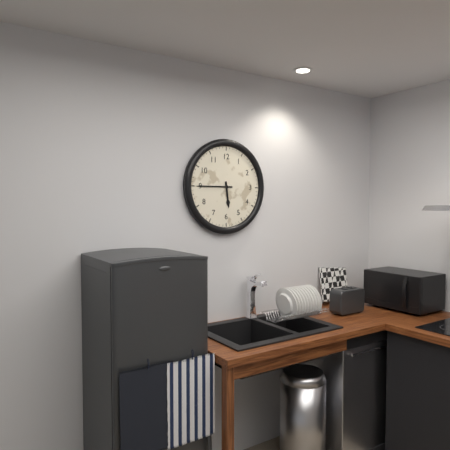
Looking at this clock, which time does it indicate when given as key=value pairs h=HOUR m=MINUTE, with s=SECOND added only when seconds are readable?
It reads h=5 m=45
